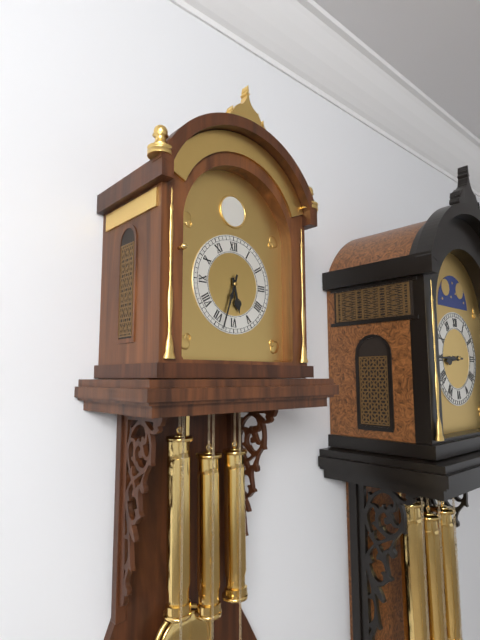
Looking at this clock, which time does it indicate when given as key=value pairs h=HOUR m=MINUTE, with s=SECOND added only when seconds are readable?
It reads h=5 m=33
